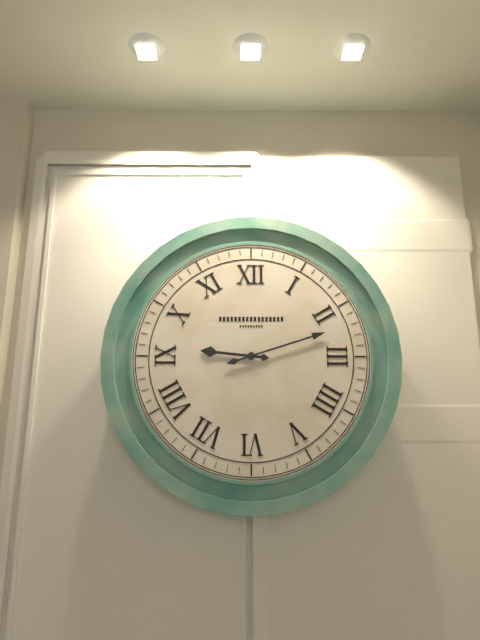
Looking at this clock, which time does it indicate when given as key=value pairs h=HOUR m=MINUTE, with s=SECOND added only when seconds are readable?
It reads h=9 m=12
